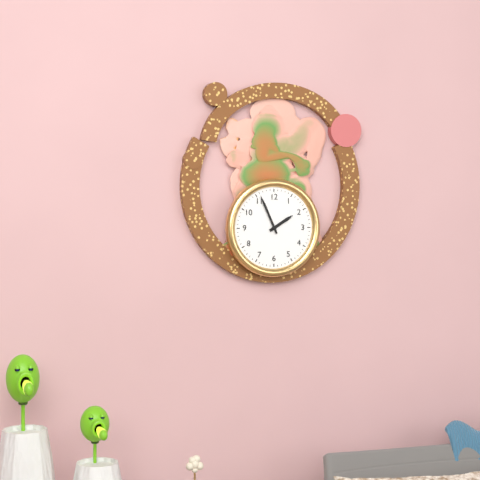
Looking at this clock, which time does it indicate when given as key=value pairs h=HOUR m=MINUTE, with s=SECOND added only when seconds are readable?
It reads h=1 m=56
